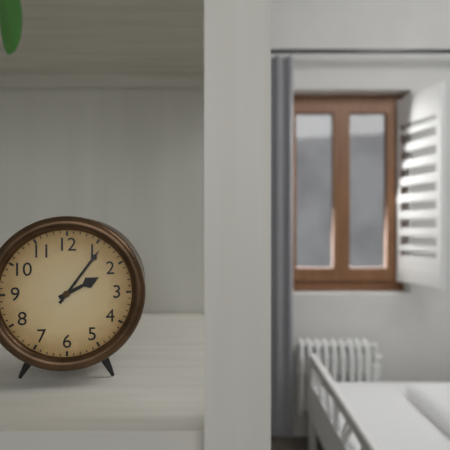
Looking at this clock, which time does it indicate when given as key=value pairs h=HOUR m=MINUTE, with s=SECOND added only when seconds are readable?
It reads h=2 m=6
